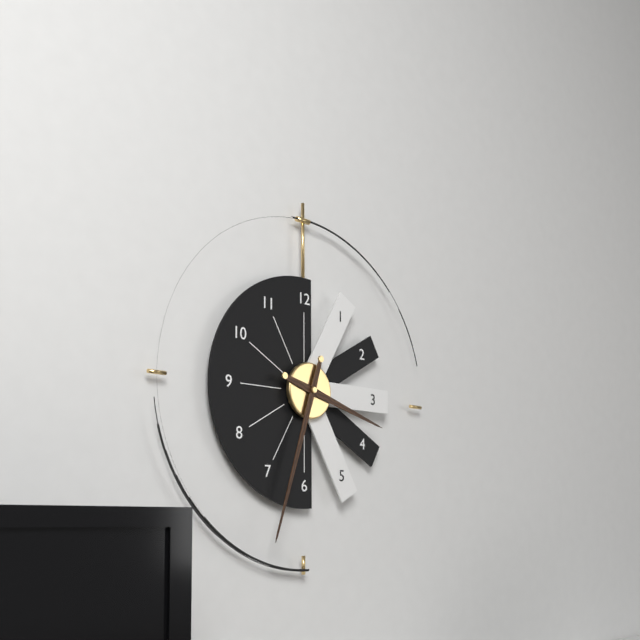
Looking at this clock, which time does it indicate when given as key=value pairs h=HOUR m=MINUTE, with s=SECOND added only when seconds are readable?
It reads h=3 m=33
